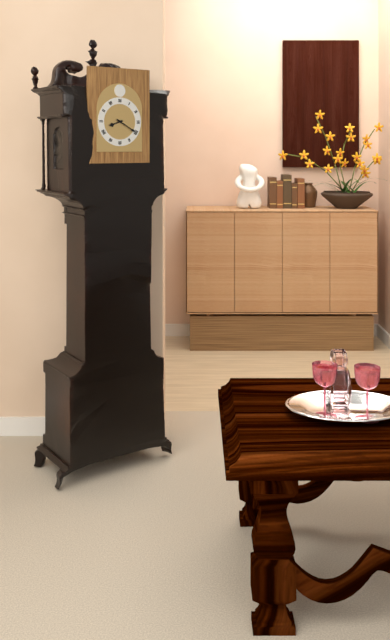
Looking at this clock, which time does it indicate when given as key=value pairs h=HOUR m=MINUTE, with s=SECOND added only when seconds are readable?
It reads h=8 m=20
